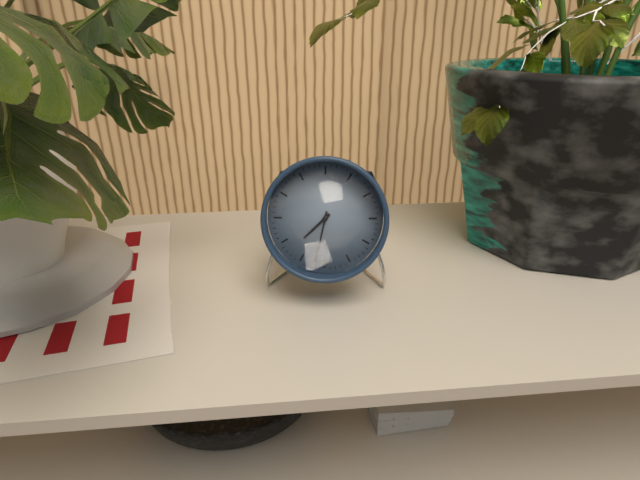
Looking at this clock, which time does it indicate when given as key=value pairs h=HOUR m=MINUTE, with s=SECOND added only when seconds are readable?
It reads h=7 m=32
